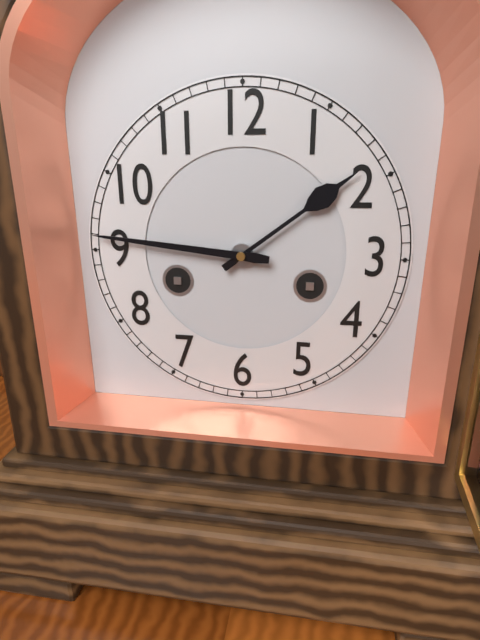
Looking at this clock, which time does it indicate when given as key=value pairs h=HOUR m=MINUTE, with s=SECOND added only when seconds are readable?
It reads h=1 m=46
